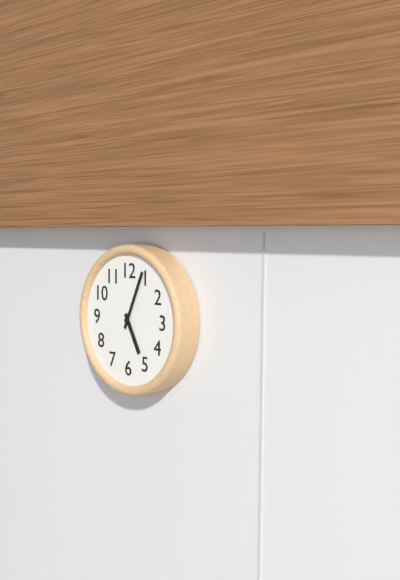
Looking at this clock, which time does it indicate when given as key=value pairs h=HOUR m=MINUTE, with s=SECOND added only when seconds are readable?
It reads h=5 m=4
